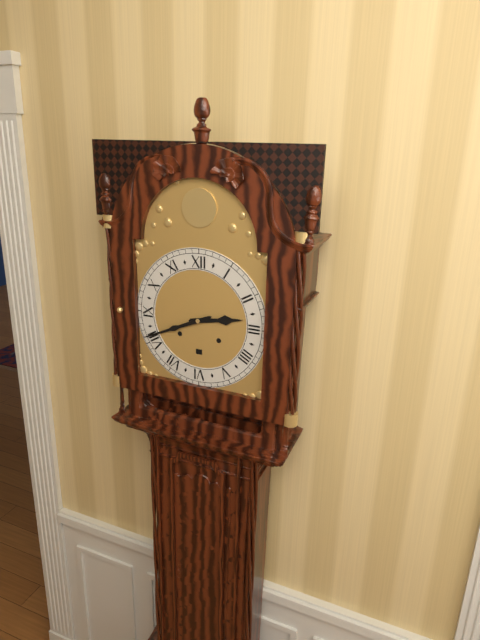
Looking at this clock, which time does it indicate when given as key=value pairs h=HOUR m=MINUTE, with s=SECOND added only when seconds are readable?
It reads h=2 m=41
